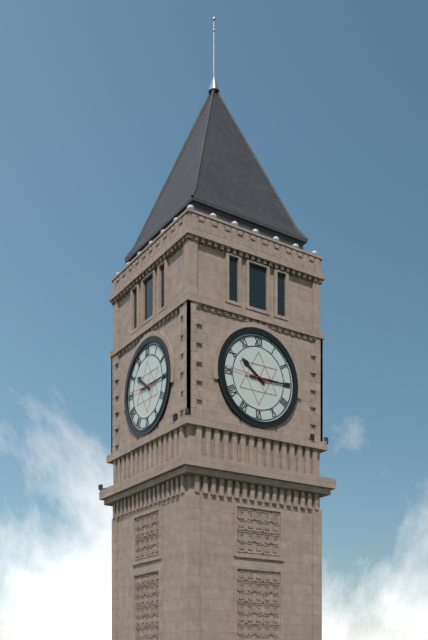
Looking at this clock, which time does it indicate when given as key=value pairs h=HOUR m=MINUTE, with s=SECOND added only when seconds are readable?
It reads h=10 m=15
